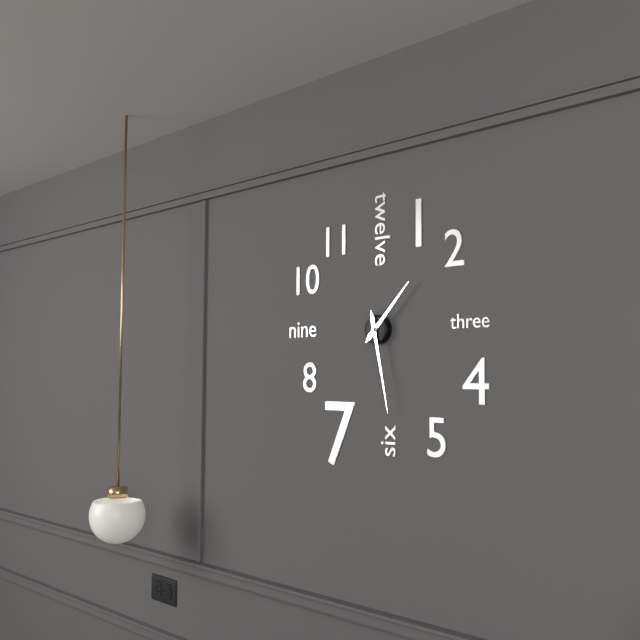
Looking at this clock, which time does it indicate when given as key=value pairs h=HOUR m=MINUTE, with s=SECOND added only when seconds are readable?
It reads h=1 m=28
